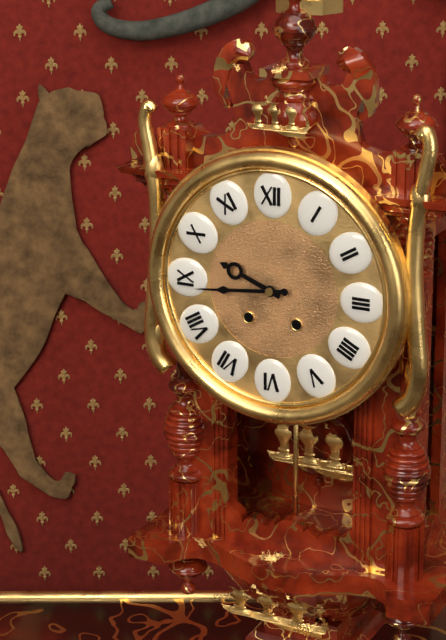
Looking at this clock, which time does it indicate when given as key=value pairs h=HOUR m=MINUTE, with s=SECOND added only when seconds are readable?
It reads h=9 m=44
